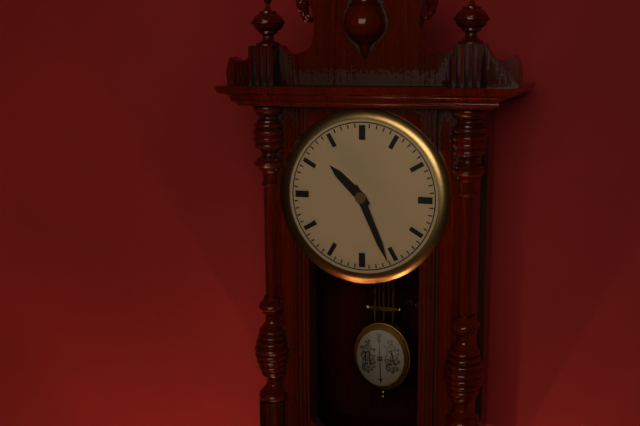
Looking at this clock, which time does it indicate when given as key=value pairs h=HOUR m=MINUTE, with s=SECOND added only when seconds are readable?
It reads h=10 m=26
